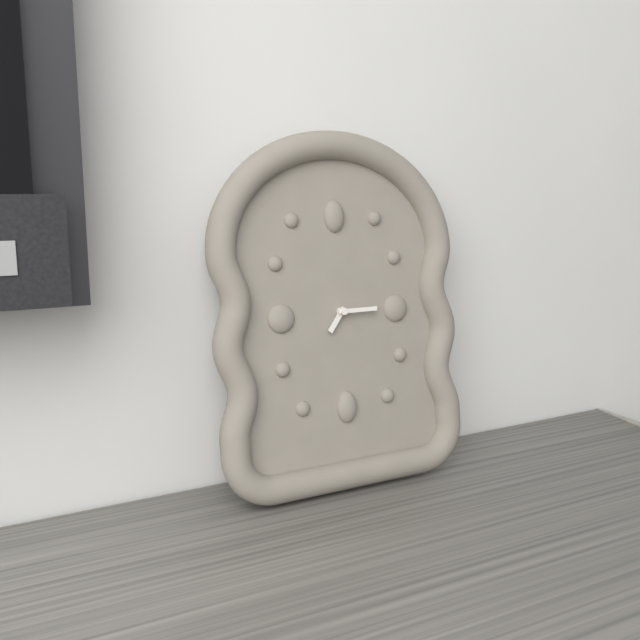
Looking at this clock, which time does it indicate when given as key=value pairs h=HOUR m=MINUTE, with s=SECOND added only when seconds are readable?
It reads h=7 m=15
